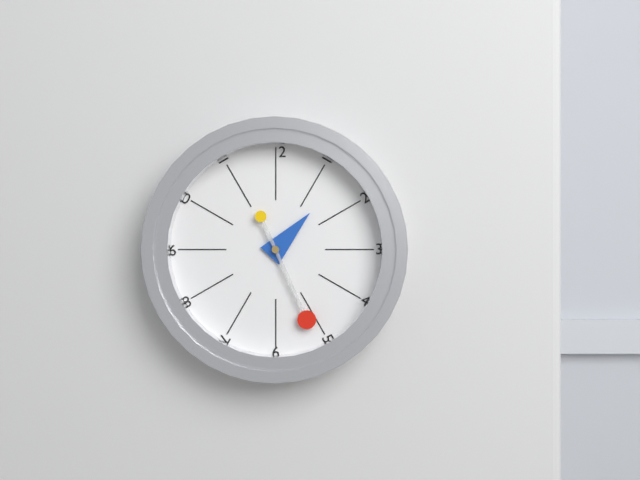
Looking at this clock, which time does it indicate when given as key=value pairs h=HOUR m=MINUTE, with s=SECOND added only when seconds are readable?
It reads h=1 m=26
